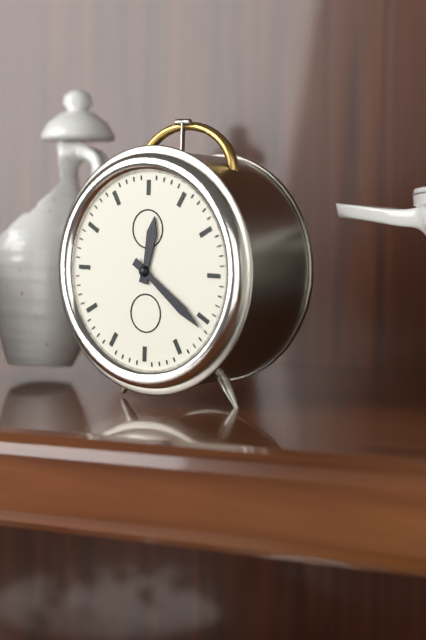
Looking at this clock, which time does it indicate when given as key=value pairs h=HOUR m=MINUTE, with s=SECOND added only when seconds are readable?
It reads h=12 m=21
